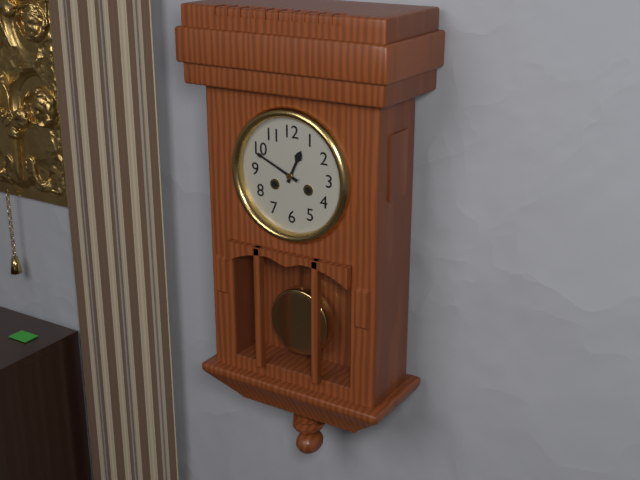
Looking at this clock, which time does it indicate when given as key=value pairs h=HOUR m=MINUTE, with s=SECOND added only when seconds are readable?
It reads h=12 m=49
